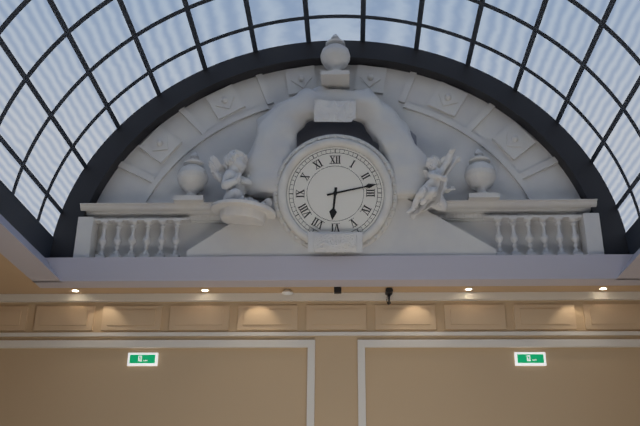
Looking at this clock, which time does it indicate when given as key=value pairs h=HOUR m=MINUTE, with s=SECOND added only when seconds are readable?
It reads h=6 m=13
